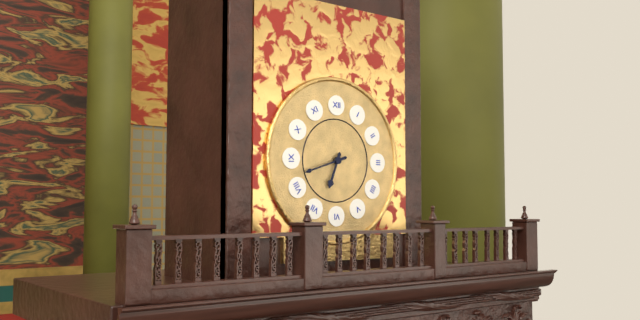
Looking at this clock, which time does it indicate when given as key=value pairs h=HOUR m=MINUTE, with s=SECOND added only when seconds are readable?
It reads h=6 m=42
